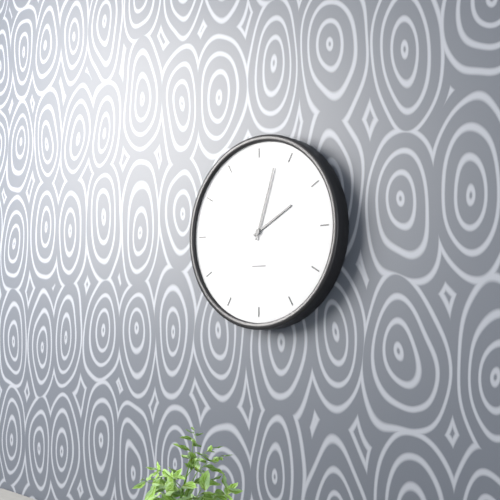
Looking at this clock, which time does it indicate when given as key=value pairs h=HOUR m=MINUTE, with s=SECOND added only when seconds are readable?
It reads h=2 m=3
